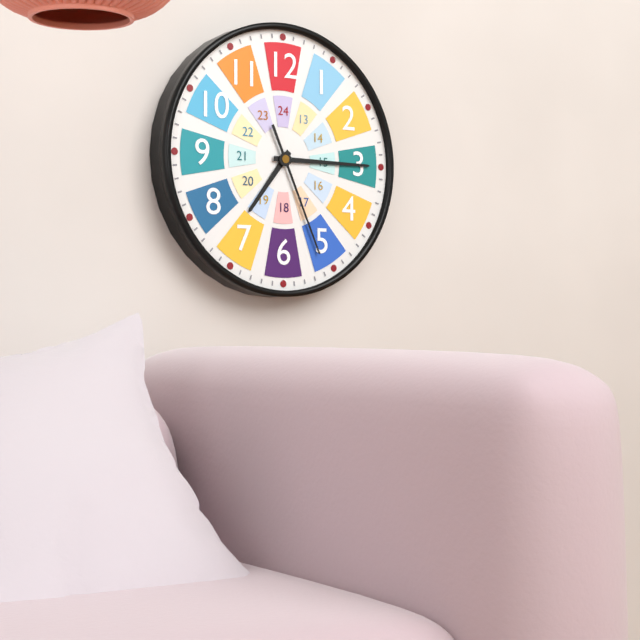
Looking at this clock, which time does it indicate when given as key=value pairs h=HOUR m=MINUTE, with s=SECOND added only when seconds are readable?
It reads h=7 m=15 s=26
